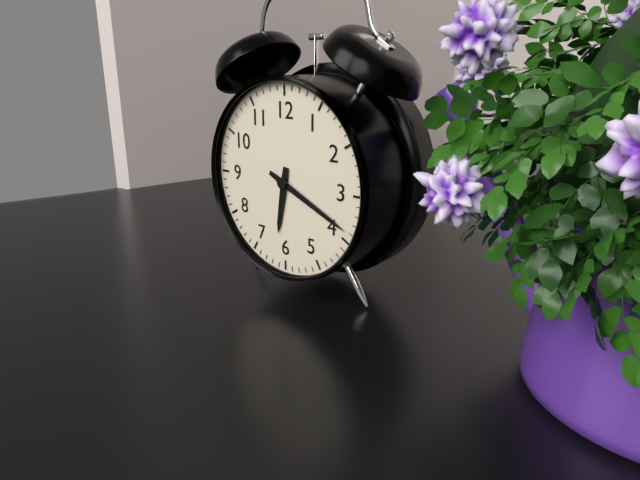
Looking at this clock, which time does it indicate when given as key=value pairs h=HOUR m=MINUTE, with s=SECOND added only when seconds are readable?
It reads h=6 m=19
